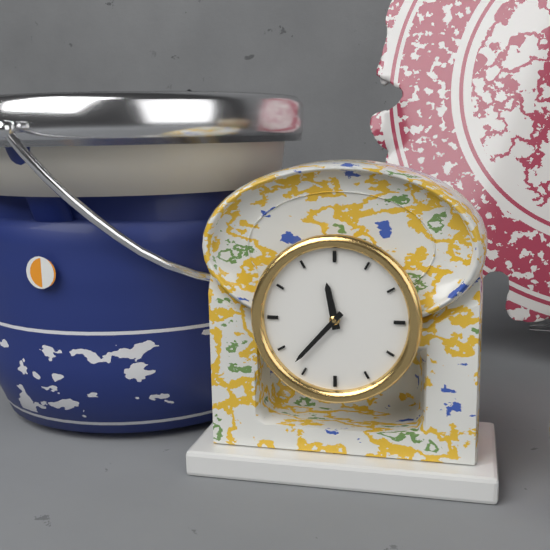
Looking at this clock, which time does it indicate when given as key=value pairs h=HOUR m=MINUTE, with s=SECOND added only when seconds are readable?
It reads h=11 m=37
